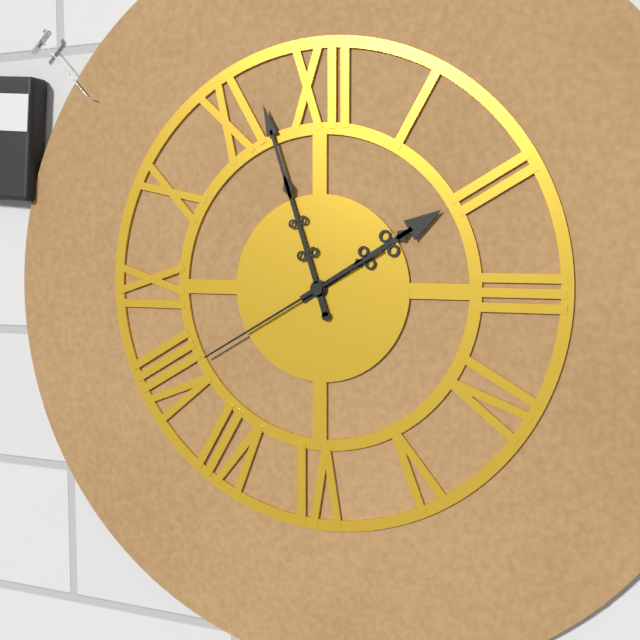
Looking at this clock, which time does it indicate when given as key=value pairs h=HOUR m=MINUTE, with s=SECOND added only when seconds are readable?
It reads h=1 m=57 s=40
